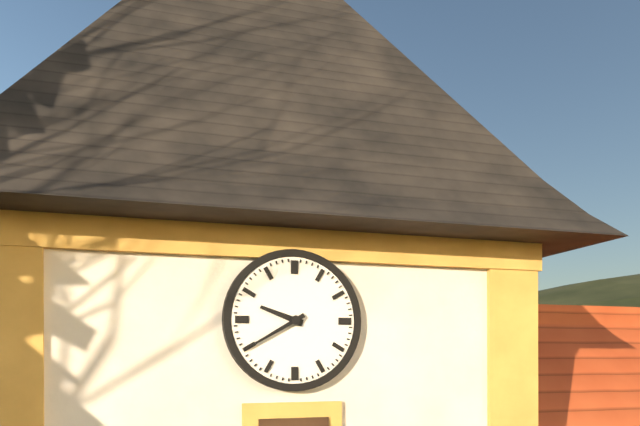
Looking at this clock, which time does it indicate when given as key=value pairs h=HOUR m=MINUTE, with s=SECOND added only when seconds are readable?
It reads h=9 m=40
